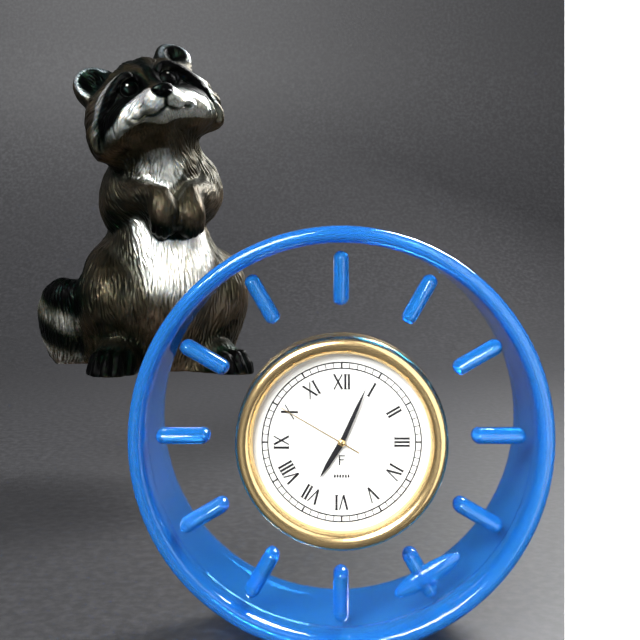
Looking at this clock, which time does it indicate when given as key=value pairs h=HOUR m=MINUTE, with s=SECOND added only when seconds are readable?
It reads h=7 m=4 s=50
